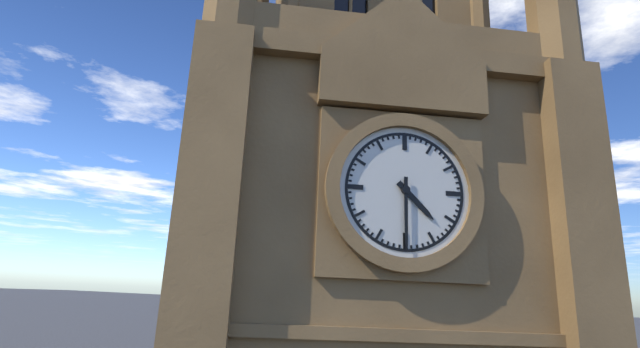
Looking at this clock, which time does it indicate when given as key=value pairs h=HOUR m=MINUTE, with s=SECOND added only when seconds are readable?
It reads h=4 m=30
